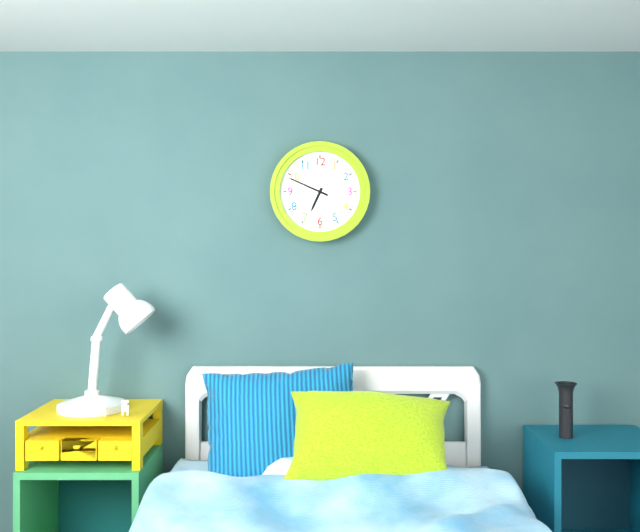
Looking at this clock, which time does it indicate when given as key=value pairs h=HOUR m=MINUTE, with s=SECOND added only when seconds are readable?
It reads h=6 m=49
